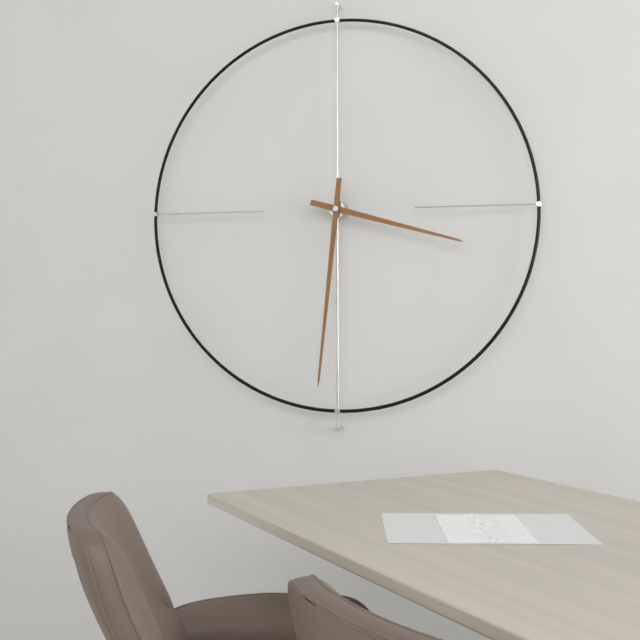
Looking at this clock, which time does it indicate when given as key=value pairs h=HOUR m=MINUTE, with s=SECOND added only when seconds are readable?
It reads h=3 m=31
